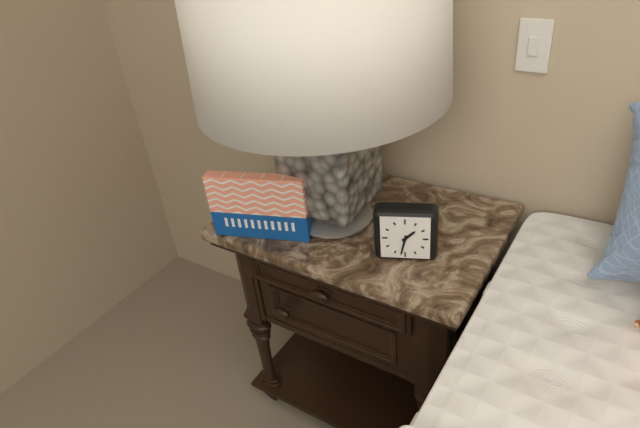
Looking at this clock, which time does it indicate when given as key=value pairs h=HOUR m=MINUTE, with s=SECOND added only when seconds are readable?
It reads h=1 m=32
